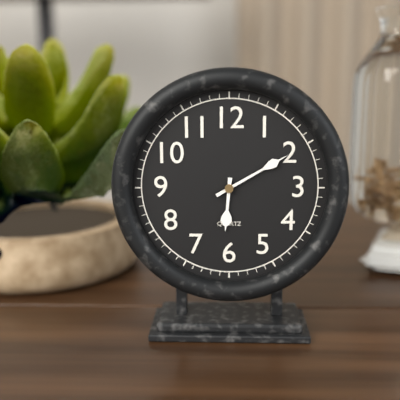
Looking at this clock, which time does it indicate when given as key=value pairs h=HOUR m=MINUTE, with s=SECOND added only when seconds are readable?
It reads h=6 m=10
